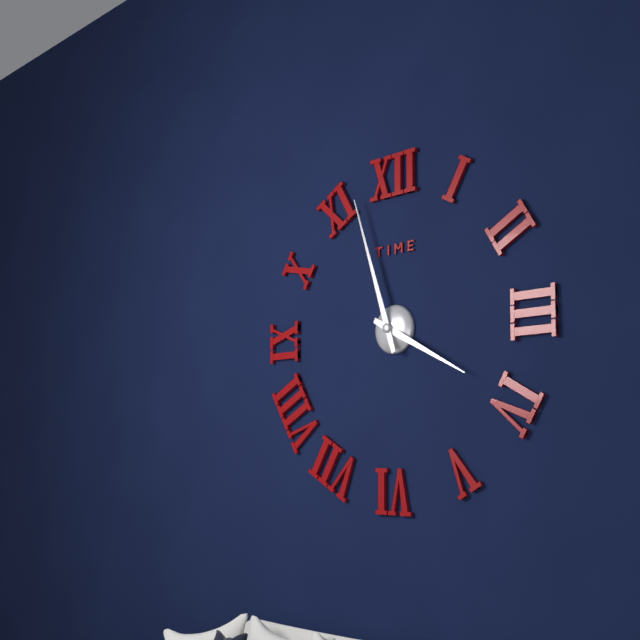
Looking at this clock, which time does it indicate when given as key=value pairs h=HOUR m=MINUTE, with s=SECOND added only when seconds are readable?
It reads h=3 m=57
